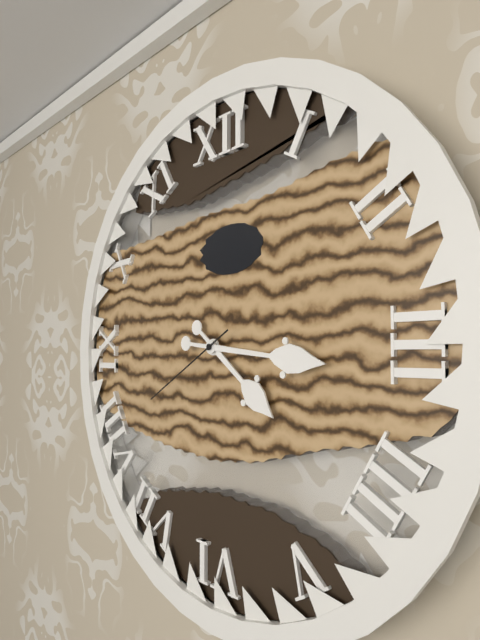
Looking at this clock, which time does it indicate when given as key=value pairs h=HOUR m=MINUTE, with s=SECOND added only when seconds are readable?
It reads h=4 m=16 s=40
